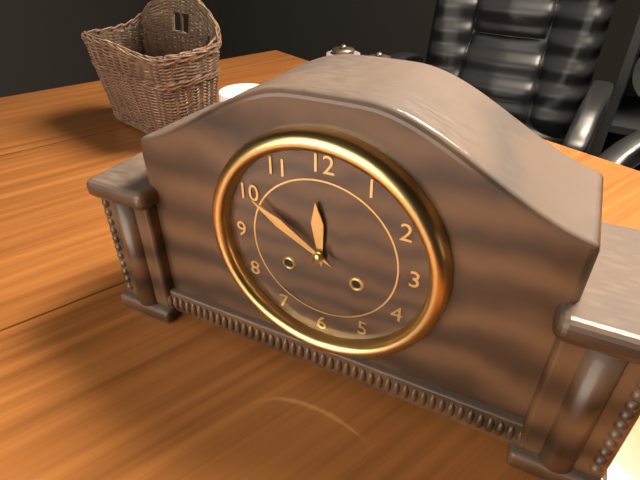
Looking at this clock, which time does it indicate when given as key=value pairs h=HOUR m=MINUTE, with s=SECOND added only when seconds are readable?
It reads h=11 m=50
